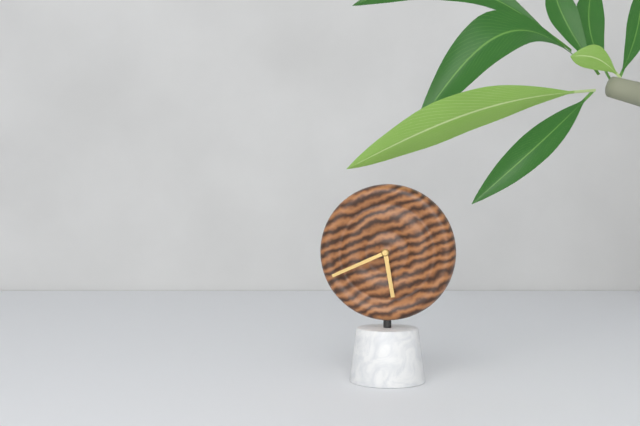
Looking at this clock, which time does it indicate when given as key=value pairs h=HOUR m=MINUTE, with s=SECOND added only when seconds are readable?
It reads h=5 m=41
